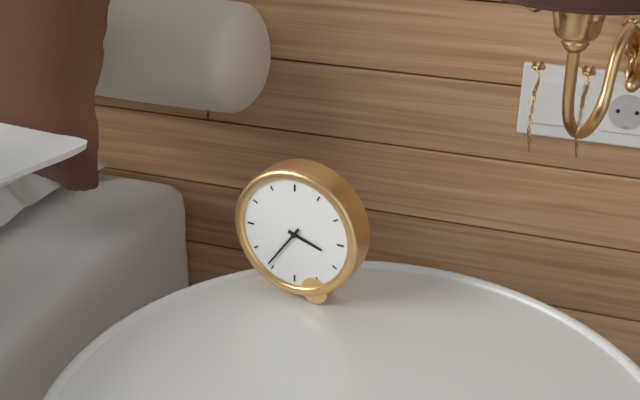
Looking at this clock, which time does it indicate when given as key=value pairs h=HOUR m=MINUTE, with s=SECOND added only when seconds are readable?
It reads h=3 m=36
